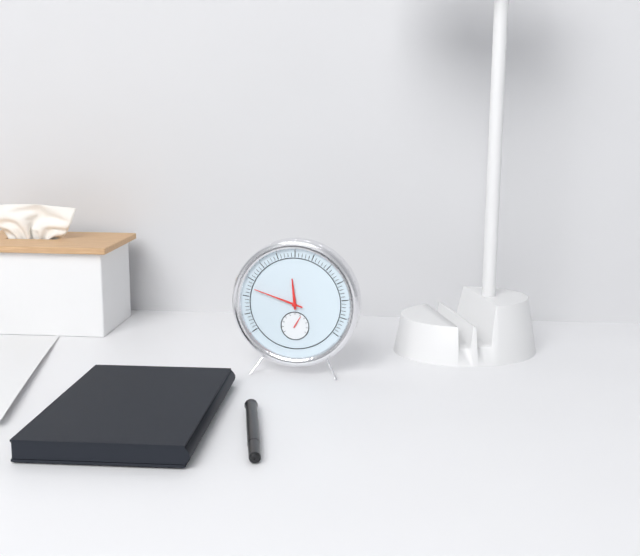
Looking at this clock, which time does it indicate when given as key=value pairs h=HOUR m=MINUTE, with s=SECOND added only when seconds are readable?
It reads h=11 m=48
